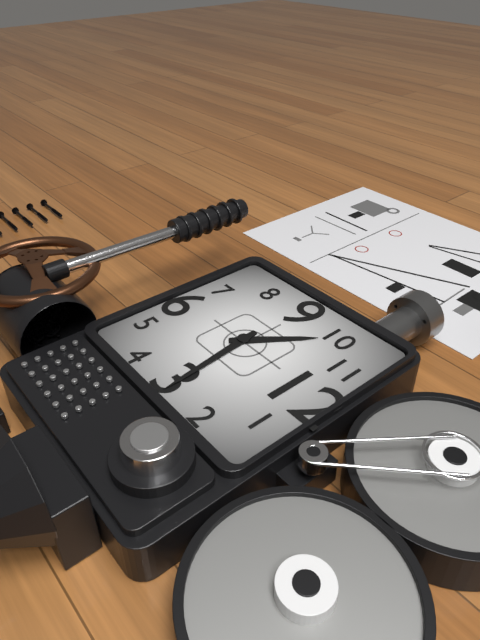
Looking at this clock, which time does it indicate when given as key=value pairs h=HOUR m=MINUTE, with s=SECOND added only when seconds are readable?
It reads h=10 m=14
